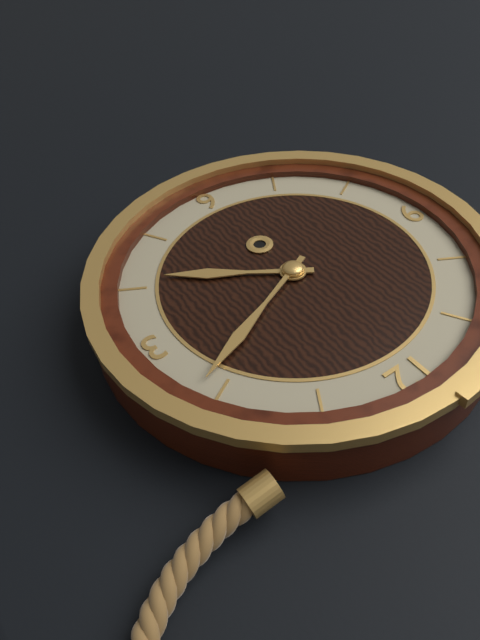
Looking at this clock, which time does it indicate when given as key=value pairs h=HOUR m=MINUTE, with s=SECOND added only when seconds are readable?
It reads h=4 m=11
